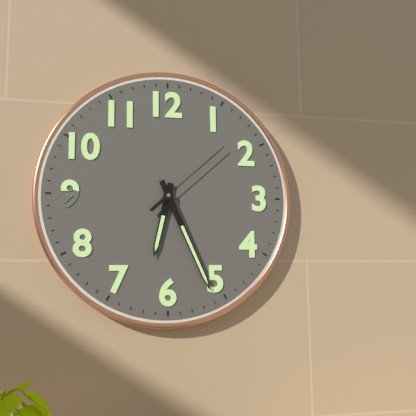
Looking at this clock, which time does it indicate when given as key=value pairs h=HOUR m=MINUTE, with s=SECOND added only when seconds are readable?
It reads h=6 m=26 s=8
